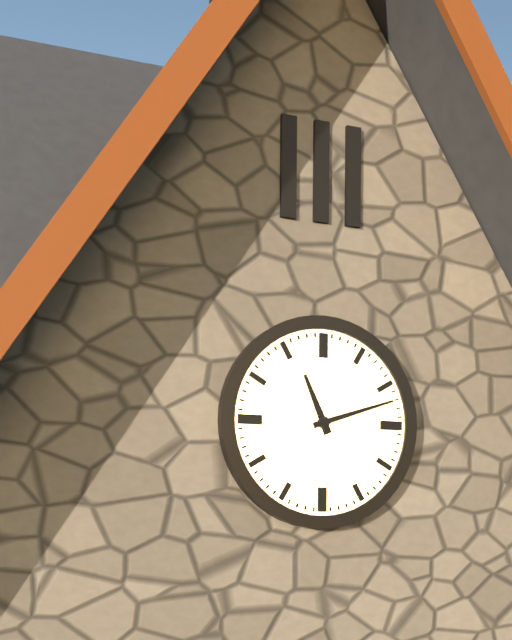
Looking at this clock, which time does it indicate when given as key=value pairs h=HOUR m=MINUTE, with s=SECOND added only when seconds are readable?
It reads h=11 m=12
